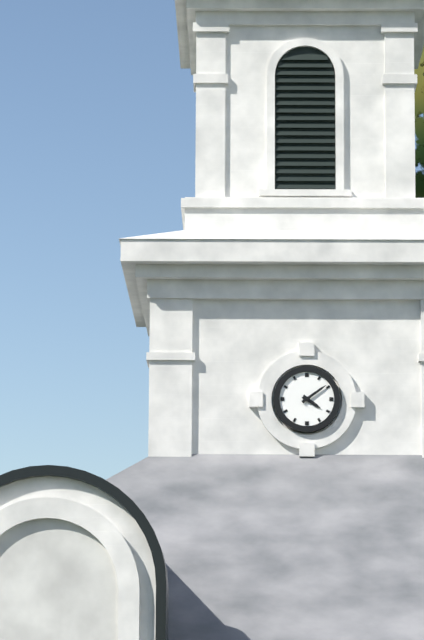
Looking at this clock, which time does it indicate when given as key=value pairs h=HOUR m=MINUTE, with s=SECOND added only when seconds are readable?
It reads h=4 m=9
